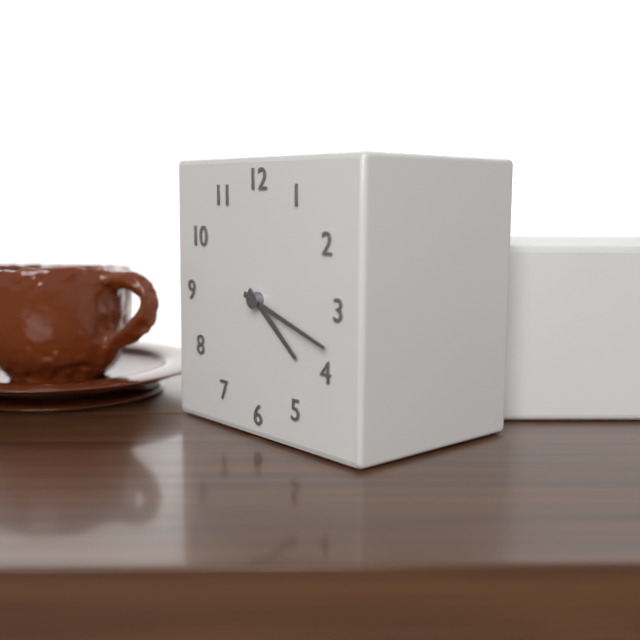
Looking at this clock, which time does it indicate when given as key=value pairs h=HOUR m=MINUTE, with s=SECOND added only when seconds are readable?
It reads h=4 m=18
